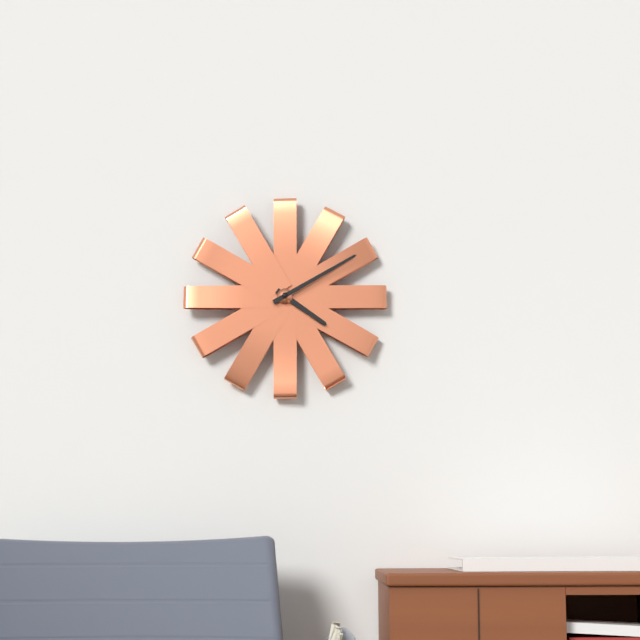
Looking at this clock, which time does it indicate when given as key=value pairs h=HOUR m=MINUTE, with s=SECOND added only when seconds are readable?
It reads h=4 m=10
